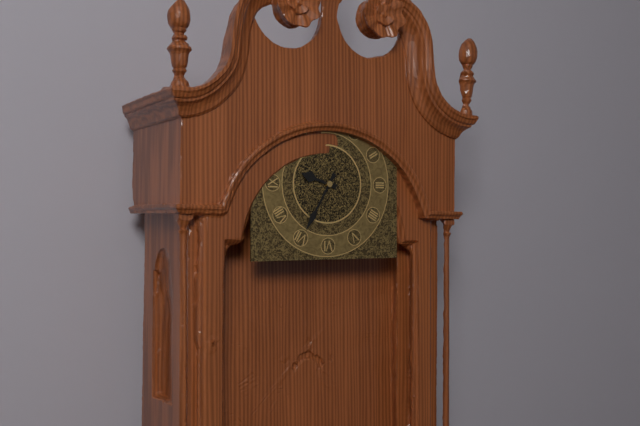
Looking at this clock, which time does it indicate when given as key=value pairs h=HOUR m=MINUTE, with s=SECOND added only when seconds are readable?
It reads h=9 m=35
